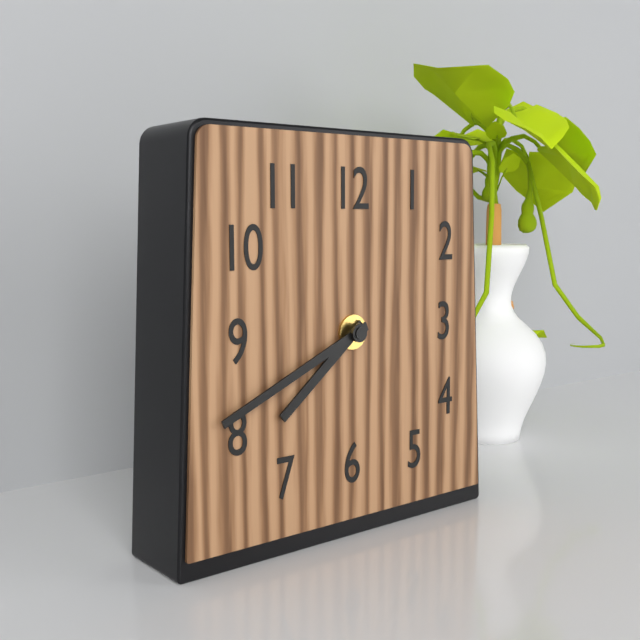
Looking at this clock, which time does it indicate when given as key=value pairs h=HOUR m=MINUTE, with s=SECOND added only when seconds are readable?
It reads h=7 m=41
